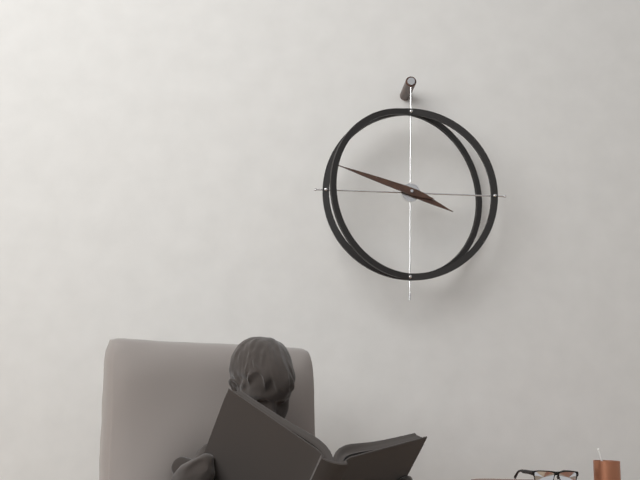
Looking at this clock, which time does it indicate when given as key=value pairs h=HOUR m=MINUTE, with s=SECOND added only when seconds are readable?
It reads h=3 m=48
